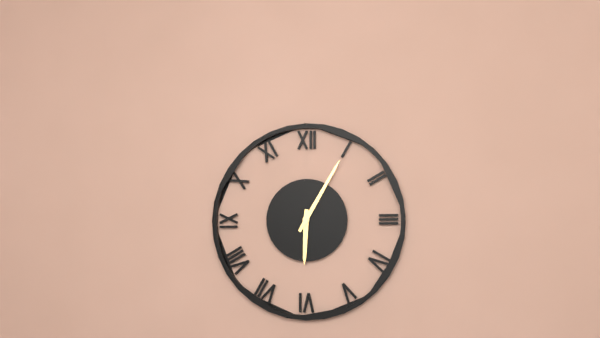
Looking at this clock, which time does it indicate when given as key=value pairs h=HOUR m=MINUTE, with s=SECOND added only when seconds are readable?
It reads h=6 m=5
